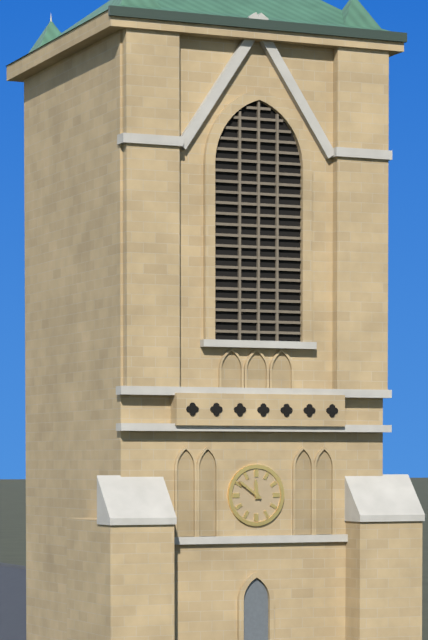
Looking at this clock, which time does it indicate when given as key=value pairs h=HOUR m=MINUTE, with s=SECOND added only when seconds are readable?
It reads h=11 m=51
